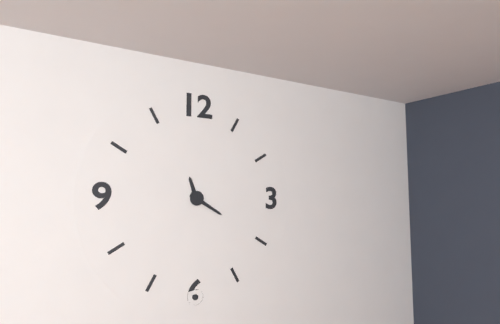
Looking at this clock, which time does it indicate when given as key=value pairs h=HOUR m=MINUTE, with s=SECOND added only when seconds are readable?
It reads h=11 m=20
